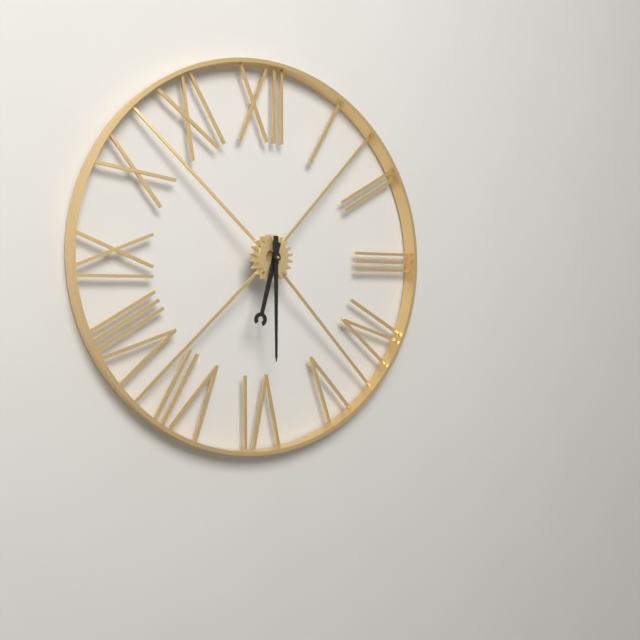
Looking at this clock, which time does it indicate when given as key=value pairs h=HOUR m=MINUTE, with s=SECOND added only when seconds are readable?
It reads h=6 m=30
